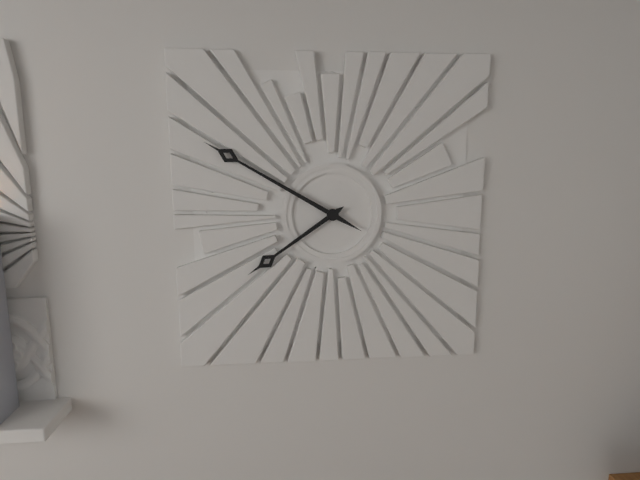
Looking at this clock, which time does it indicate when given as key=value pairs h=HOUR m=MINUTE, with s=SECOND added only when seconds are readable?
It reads h=7 m=50
